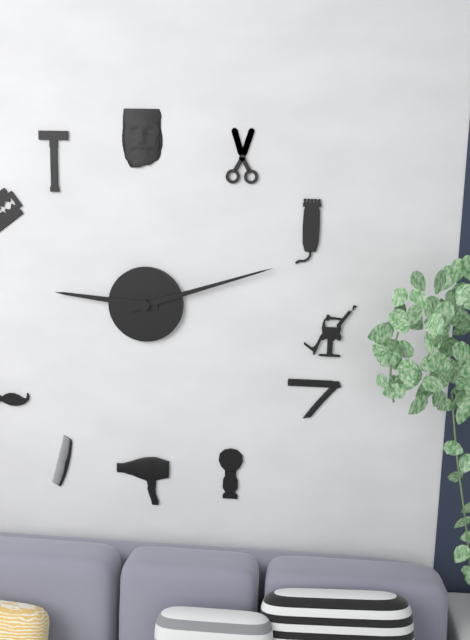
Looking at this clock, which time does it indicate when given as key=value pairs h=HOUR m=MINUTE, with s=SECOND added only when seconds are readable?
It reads h=9 m=12
